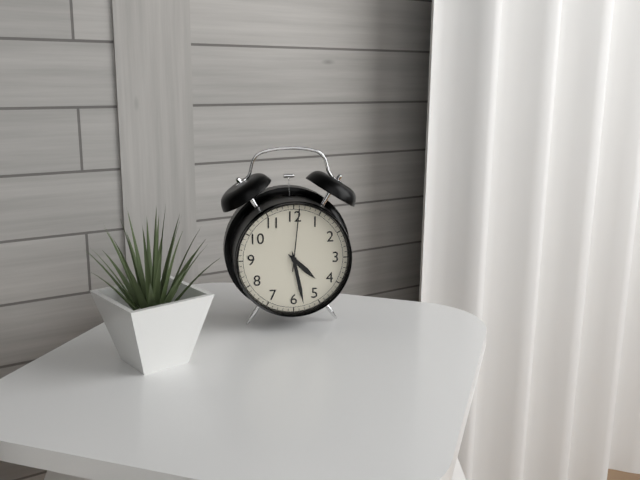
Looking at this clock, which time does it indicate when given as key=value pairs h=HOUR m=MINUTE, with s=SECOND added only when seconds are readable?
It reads h=4 m=28 s=1
